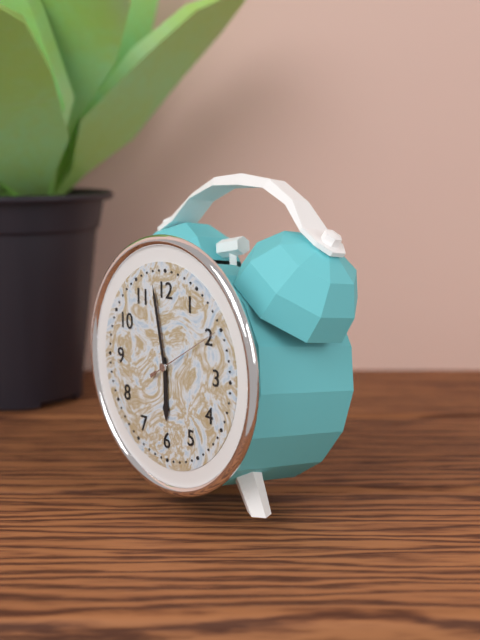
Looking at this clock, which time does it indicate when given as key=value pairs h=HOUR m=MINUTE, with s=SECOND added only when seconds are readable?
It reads h=5 m=58 s=10
